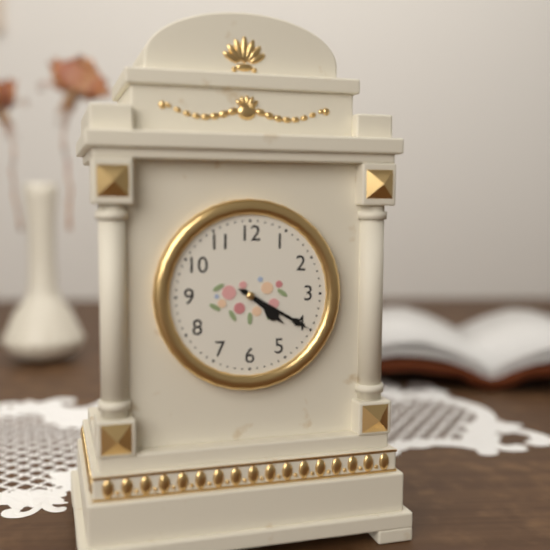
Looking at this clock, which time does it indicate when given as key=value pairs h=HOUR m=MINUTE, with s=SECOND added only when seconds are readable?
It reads h=4 m=20
